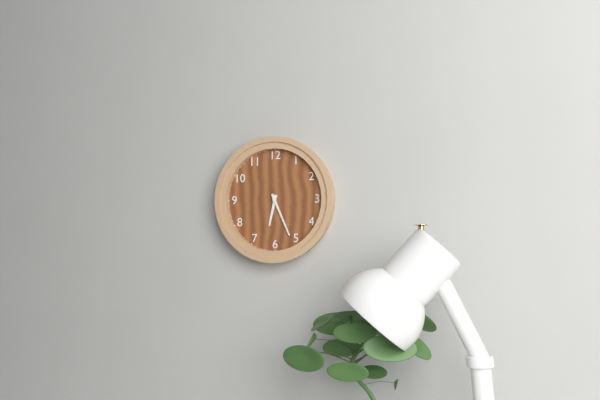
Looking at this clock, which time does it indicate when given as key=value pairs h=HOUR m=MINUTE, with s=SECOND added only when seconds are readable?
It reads h=6 m=26
